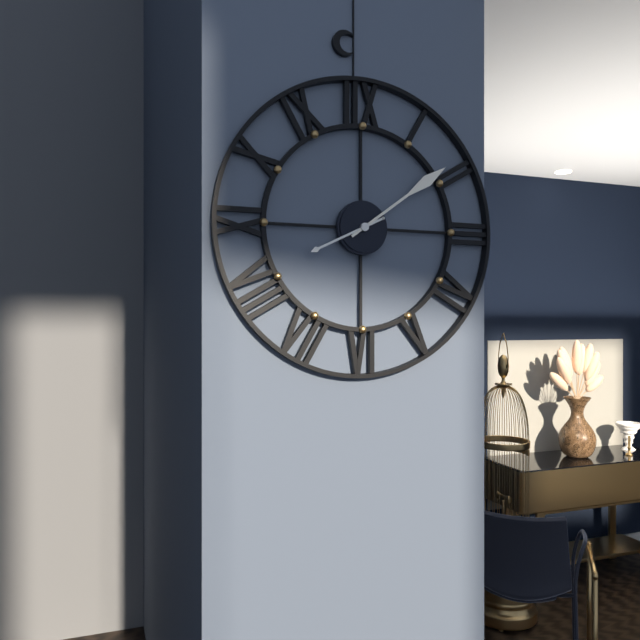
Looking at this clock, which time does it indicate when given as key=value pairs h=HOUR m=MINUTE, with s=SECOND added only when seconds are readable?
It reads h=8 m=9
